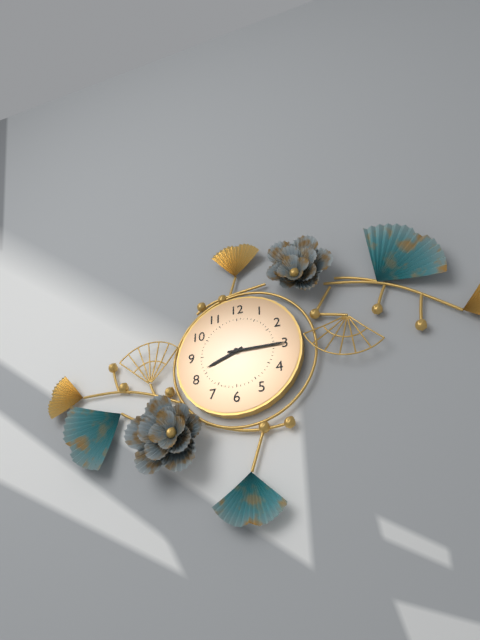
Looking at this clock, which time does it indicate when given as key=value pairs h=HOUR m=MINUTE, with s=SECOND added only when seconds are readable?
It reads h=8 m=15
